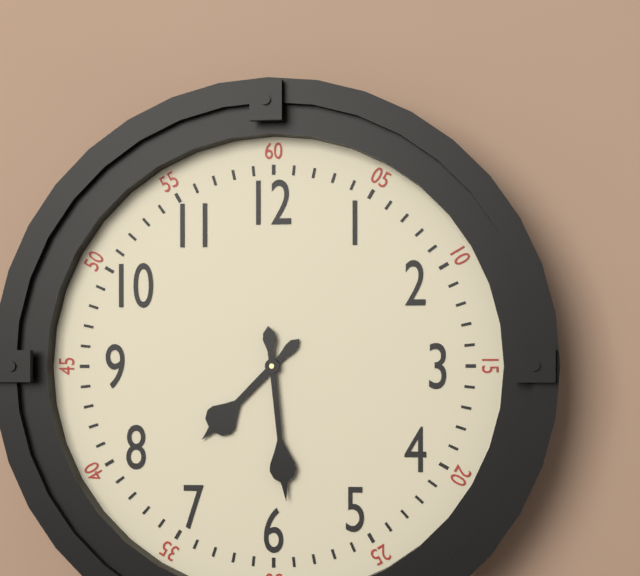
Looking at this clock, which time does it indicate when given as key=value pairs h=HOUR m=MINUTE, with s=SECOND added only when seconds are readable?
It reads h=7 m=29
